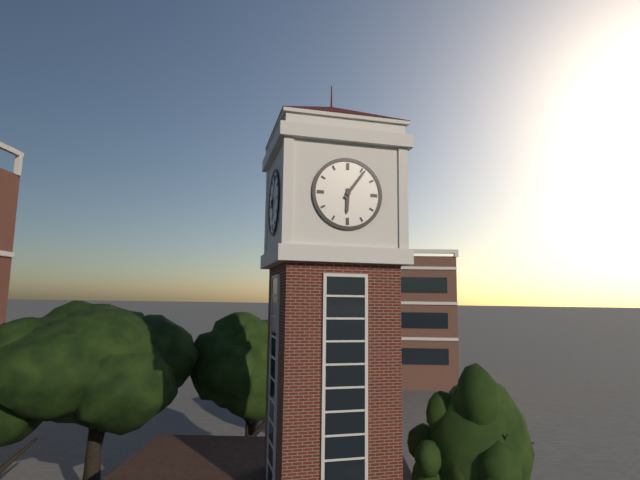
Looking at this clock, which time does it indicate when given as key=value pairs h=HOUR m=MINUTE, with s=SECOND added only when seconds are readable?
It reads h=6 m=6
